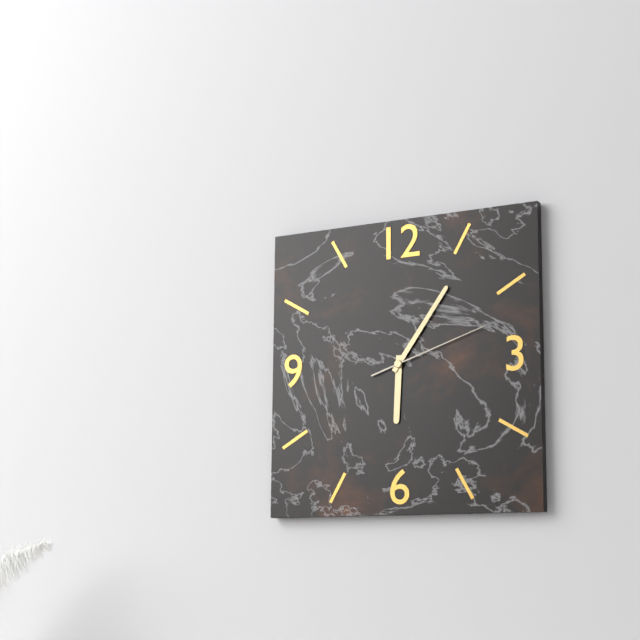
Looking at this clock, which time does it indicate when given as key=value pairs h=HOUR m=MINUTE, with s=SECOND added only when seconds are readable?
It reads h=6 m=6 s=12
